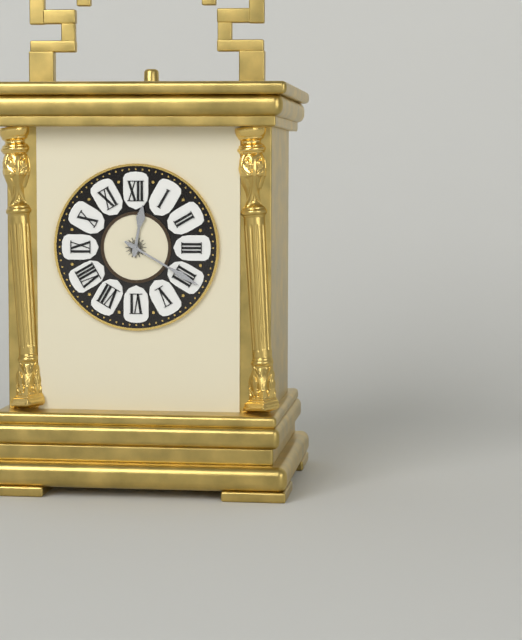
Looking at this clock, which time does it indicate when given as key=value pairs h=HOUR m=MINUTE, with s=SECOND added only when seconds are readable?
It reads h=12 m=20
